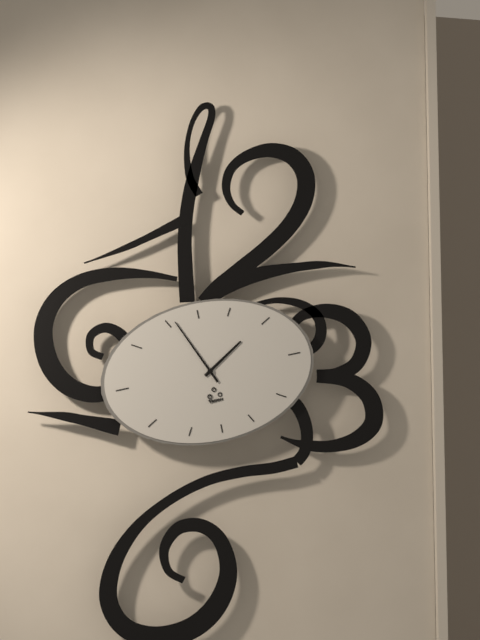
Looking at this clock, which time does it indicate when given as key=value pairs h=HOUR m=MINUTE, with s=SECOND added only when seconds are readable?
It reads h=1 m=56
